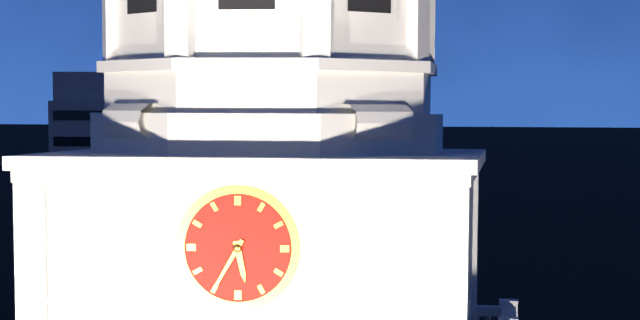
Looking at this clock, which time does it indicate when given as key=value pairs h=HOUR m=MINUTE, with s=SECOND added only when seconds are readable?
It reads h=5 m=35
